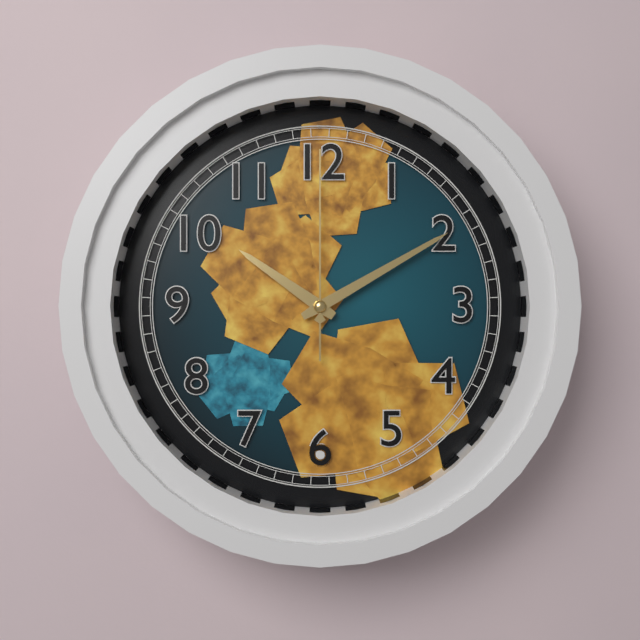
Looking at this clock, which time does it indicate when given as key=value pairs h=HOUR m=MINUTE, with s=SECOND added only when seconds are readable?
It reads h=10 m=10 s=0
